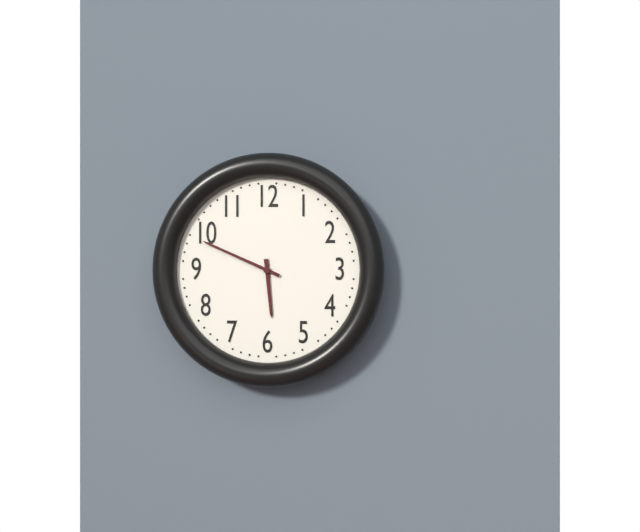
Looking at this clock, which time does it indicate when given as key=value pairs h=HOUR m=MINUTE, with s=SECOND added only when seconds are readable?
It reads h=5 m=49
